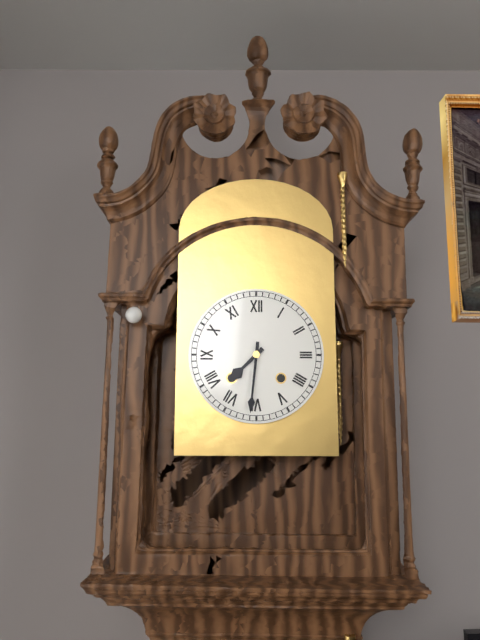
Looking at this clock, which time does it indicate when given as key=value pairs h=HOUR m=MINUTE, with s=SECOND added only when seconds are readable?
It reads h=7 m=31
